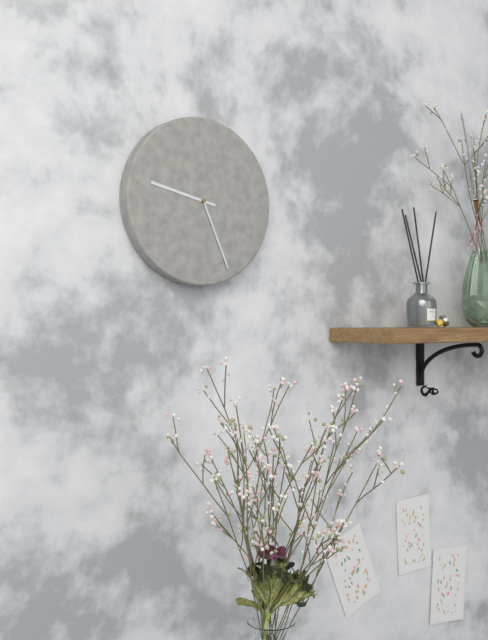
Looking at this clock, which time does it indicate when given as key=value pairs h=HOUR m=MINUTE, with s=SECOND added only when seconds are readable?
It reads h=9 m=26
